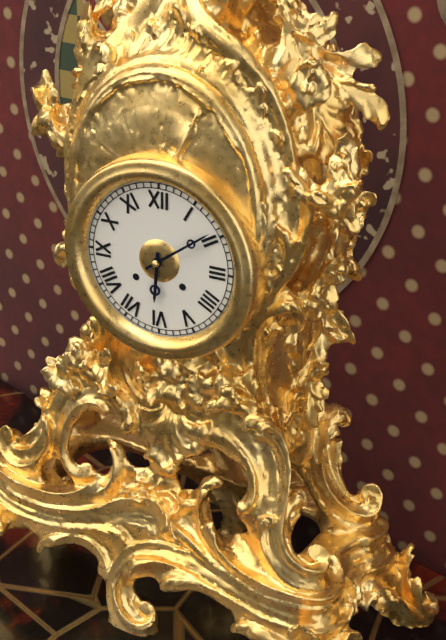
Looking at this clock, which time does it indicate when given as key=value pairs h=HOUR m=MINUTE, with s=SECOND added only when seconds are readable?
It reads h=6 m=9
